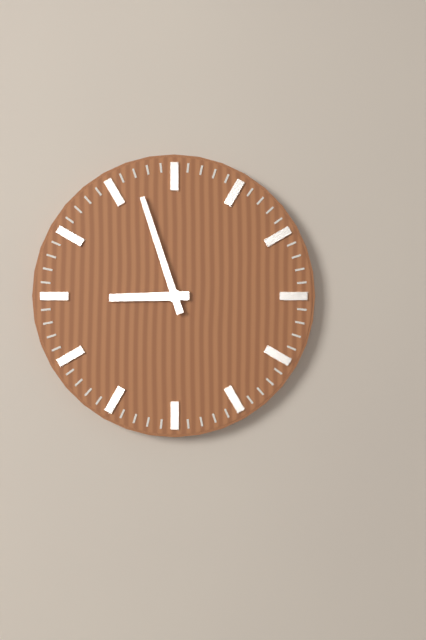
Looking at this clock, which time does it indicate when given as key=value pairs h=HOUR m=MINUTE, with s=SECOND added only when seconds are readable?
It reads h=8 m=57
